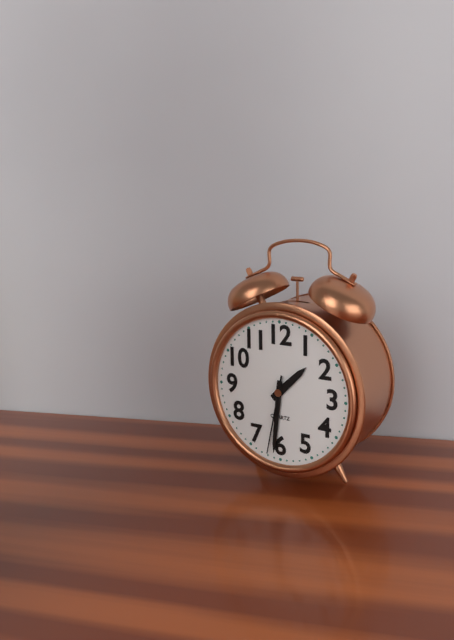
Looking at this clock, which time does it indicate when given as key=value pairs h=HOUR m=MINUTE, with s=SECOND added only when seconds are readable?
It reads h=1 m=31 s=32
